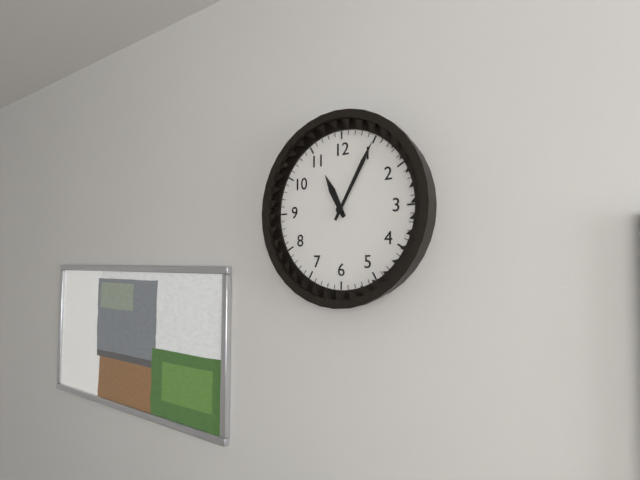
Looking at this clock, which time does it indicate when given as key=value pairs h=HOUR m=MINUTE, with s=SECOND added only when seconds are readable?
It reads h=11 m=5
